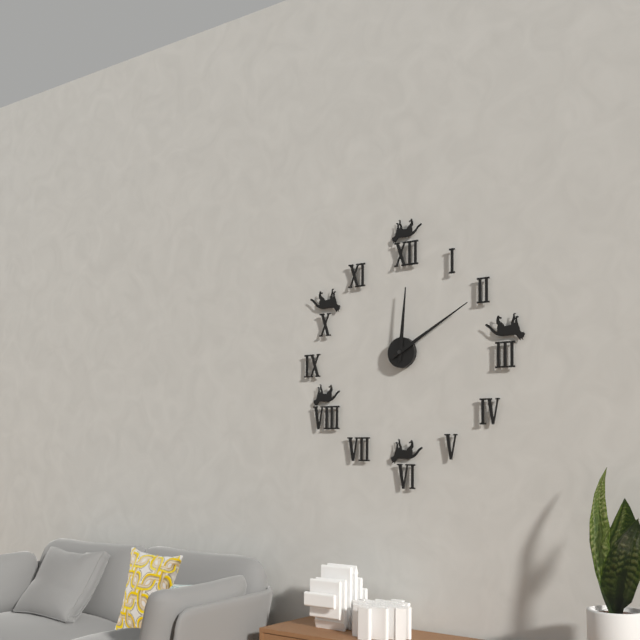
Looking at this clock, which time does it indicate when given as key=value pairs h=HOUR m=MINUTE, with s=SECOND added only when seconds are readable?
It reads h=12 m=10
